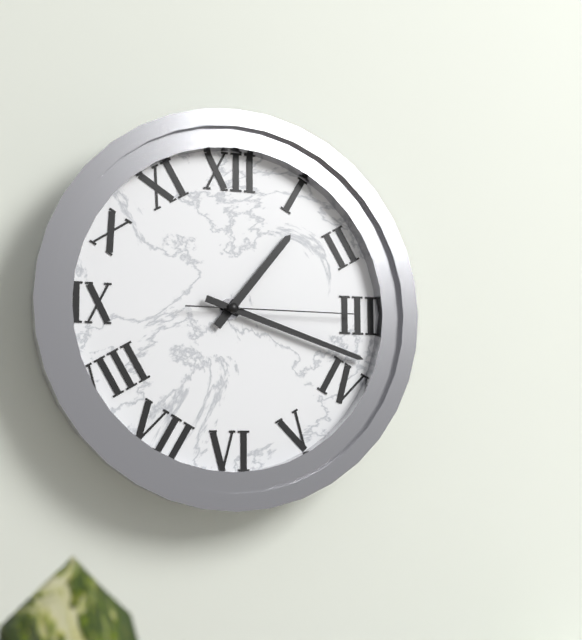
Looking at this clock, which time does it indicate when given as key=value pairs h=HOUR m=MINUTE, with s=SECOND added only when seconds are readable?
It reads h=1 m=18 s=15
